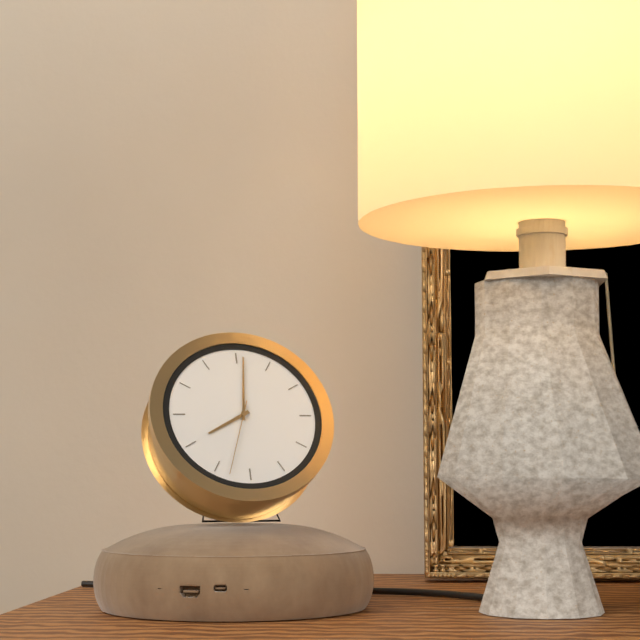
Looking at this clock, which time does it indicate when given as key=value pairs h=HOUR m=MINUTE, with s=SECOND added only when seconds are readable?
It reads h=8 m=1 s=33
